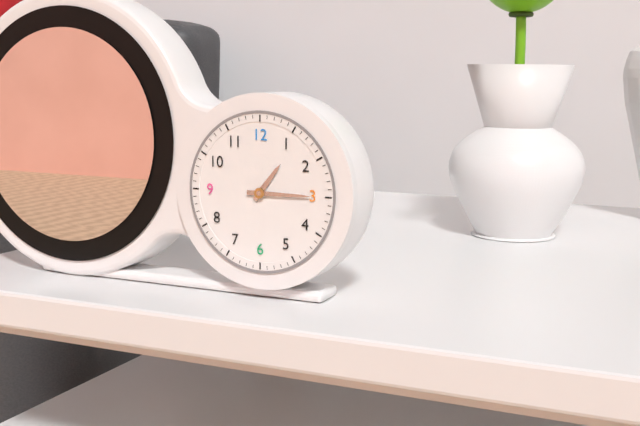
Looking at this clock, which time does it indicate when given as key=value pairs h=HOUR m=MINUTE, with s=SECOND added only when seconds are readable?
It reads h=1 m=15
